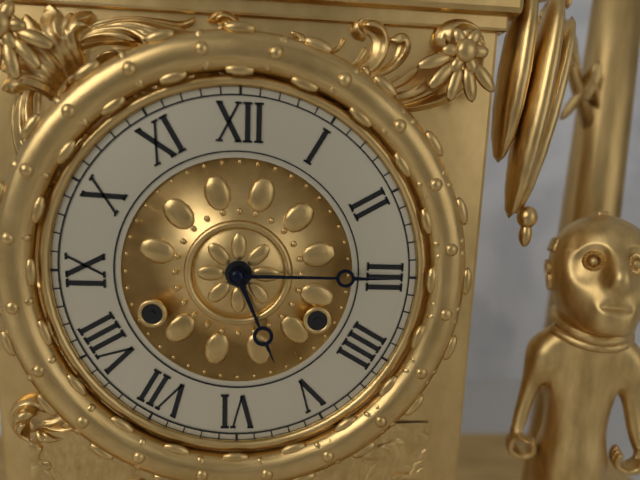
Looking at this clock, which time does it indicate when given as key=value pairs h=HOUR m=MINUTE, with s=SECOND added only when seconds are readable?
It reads h=5 m=15
